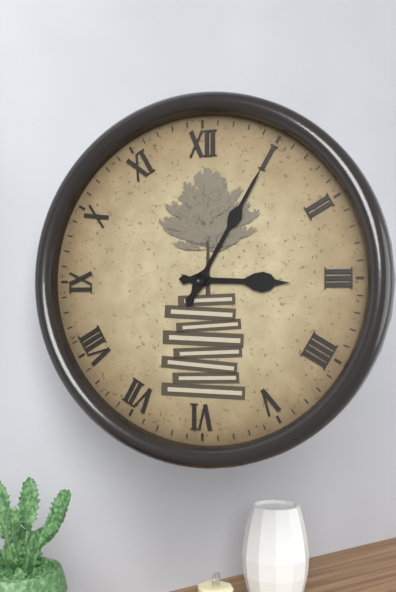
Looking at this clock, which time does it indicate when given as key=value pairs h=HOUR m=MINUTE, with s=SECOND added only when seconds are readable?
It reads h=3 m=5
